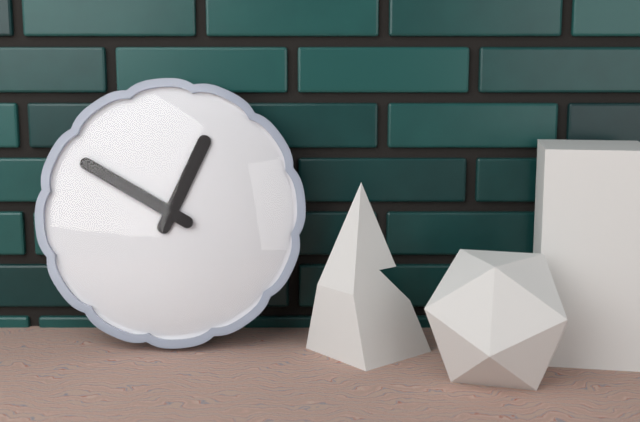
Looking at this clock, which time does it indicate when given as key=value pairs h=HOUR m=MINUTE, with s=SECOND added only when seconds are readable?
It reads h=12 m=50
